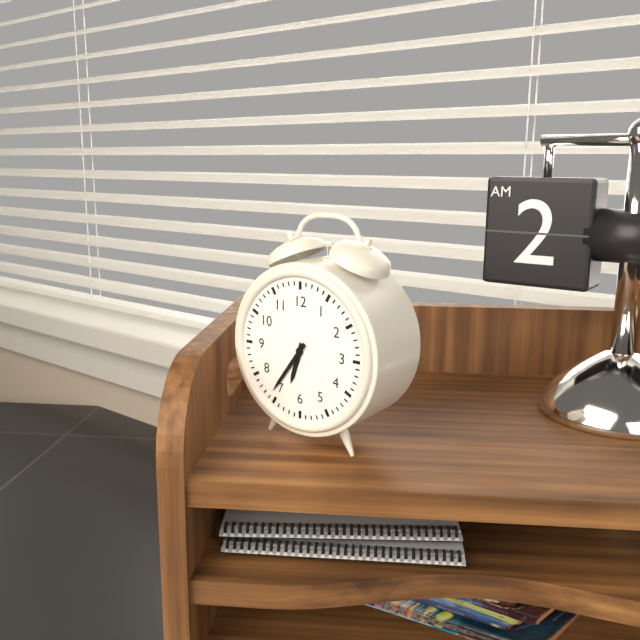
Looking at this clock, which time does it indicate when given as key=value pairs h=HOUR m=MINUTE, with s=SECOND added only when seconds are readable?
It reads h=6 m=36
